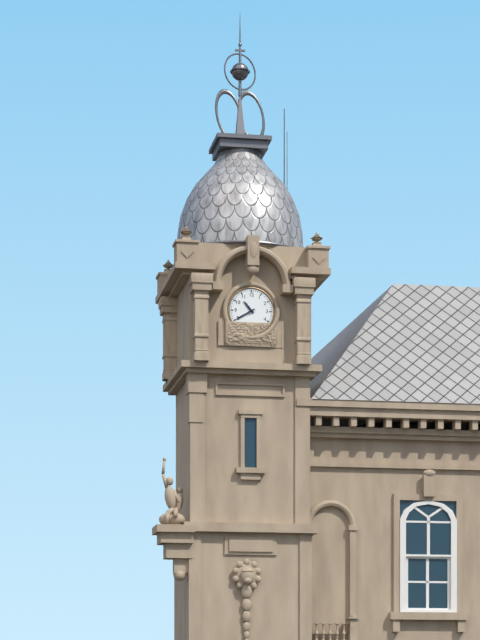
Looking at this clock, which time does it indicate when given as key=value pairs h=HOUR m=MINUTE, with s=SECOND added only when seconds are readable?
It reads h=10 m=40
